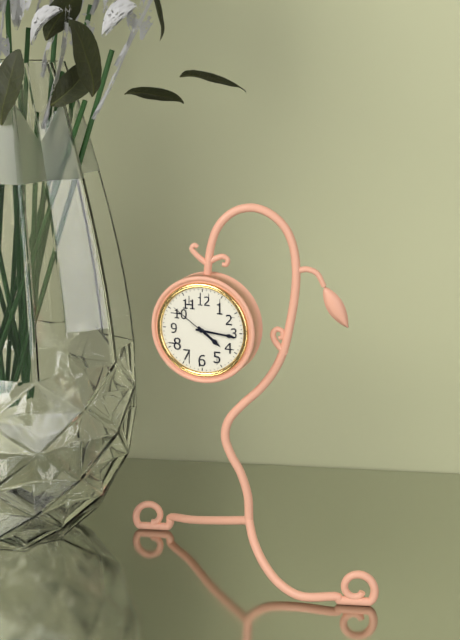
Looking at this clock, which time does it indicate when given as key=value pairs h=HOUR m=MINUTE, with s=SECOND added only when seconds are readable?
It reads h=4 m=16
